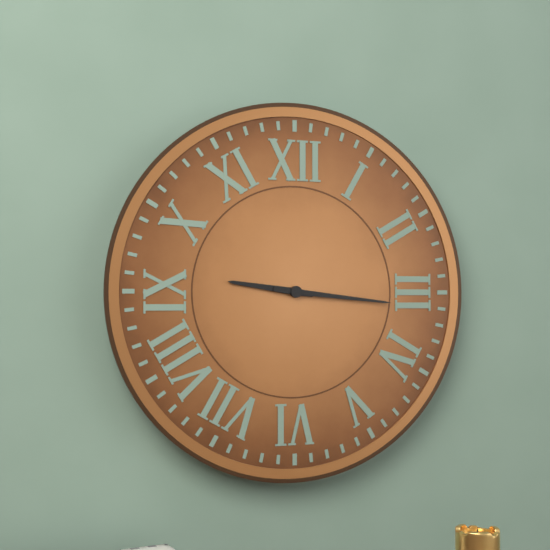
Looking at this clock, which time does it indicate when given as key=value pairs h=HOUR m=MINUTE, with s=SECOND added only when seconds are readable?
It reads h=9 m=16
